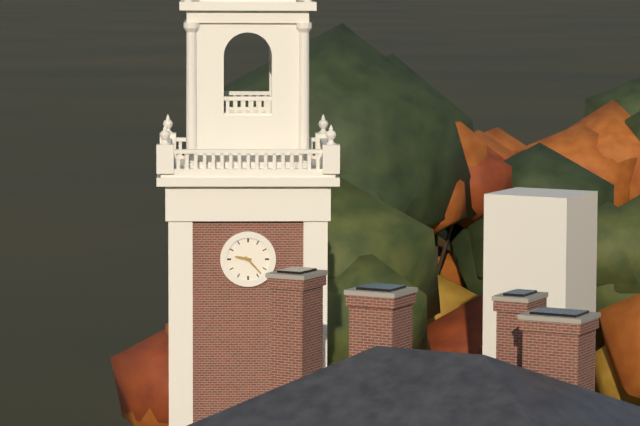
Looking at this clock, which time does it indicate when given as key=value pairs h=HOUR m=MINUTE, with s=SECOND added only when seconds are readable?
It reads h=9 m=23
